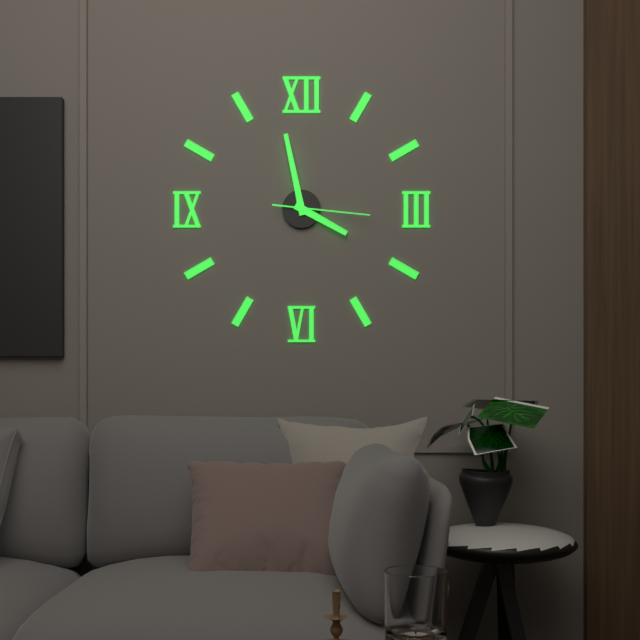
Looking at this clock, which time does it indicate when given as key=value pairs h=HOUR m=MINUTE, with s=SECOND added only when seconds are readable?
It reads h=3 m=58 s=16
